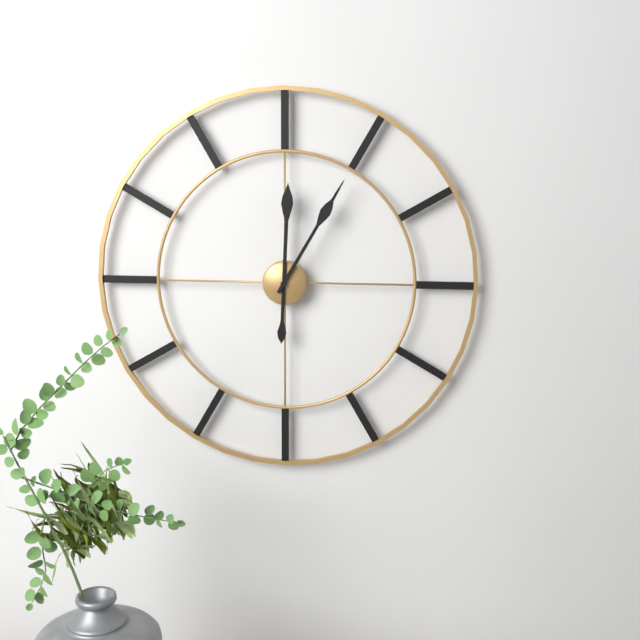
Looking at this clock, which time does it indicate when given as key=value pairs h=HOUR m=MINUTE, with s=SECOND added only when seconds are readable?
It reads h=12 m=5
